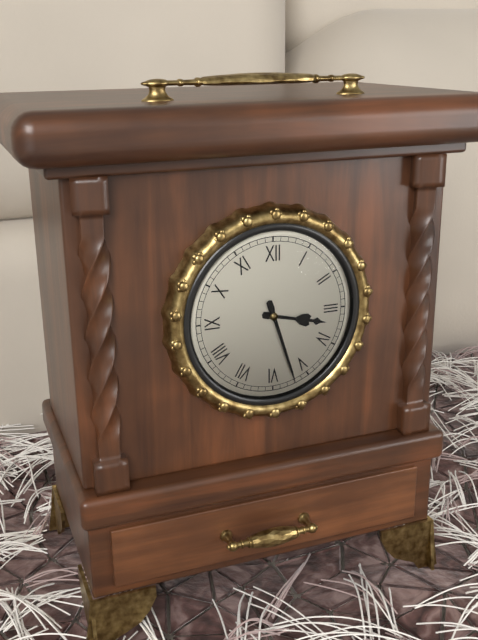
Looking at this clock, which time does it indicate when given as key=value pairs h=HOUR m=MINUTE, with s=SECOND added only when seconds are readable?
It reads h=3 m=27
